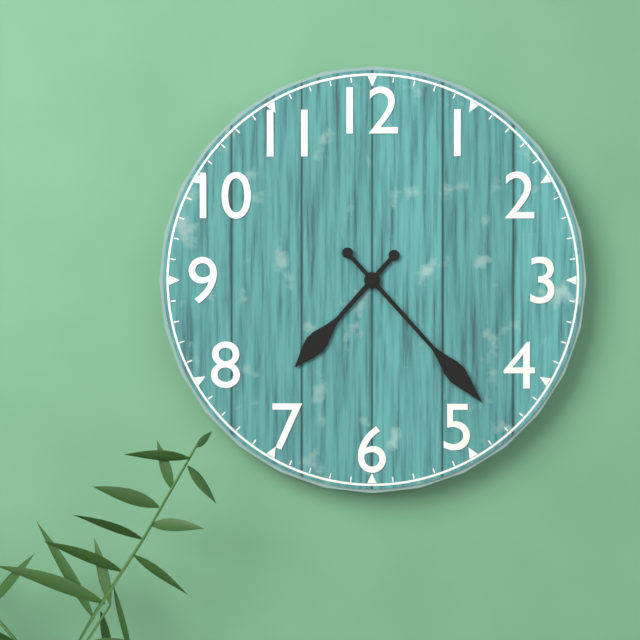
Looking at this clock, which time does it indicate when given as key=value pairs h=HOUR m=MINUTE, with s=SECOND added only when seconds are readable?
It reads h=7 m=23
